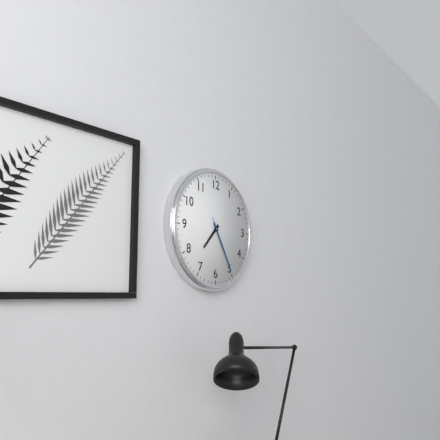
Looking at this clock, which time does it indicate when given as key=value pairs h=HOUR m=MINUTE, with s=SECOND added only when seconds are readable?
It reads h=7 m=25 s=25
